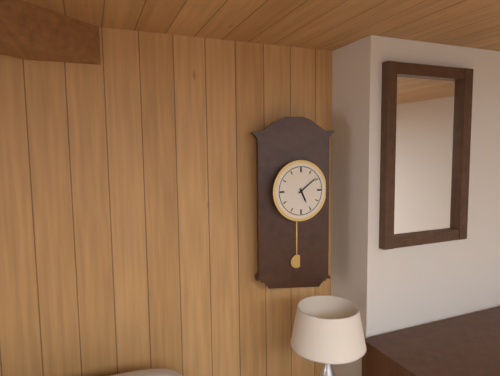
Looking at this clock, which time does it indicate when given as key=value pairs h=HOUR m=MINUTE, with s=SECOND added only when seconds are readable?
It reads h=5 m=9
